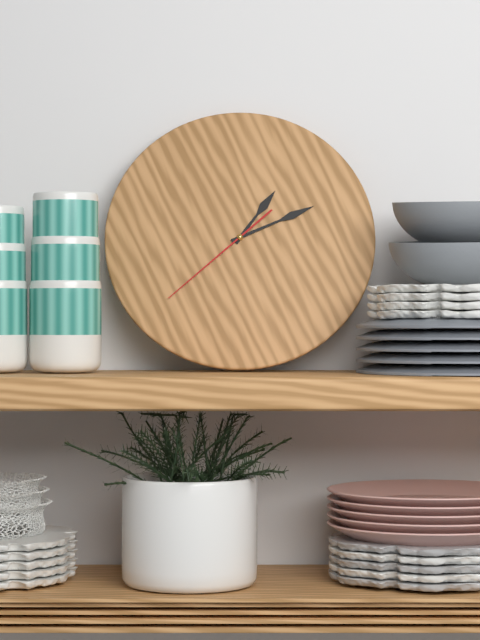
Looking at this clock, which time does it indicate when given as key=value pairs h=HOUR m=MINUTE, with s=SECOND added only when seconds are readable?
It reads h=1 m=11 s=38
